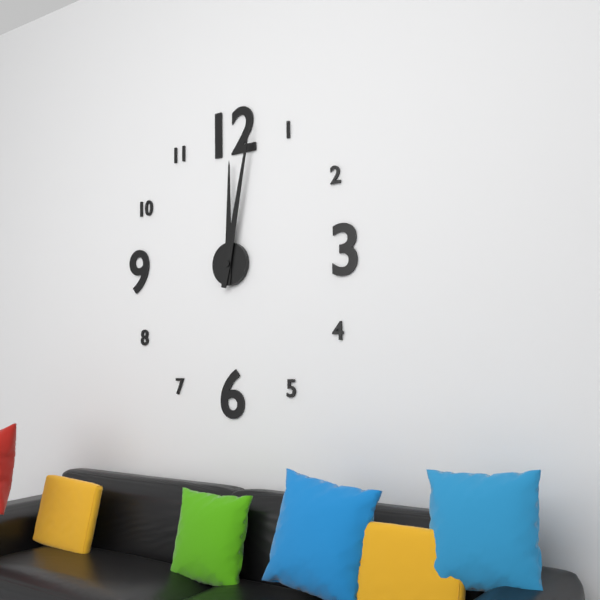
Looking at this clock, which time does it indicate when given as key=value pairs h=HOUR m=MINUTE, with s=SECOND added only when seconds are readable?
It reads h=12 m=2
